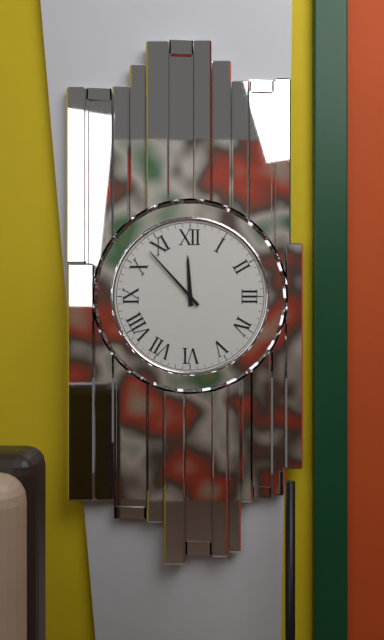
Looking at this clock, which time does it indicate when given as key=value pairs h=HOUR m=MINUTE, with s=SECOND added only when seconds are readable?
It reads h=11 m=53
